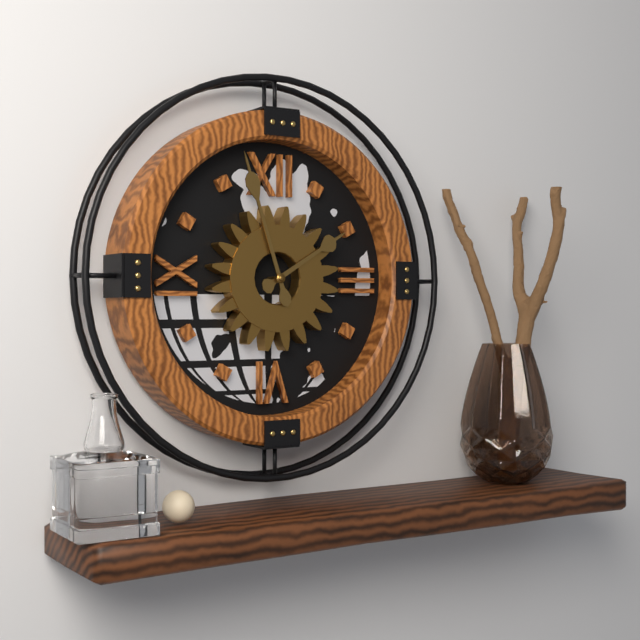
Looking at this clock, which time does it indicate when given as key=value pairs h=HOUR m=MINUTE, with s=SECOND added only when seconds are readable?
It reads h=1 m=57
